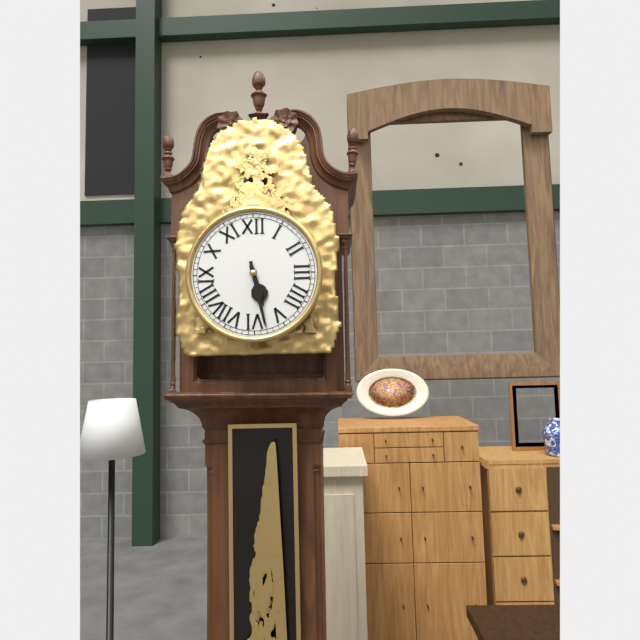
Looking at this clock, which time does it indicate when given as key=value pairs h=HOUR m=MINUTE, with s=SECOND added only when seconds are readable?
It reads h=5 m=28
